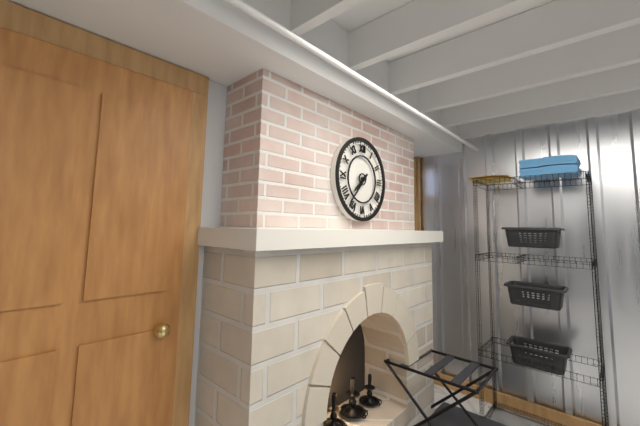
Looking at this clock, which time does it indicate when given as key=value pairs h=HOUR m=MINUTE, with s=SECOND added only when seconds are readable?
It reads h=7 m=37
